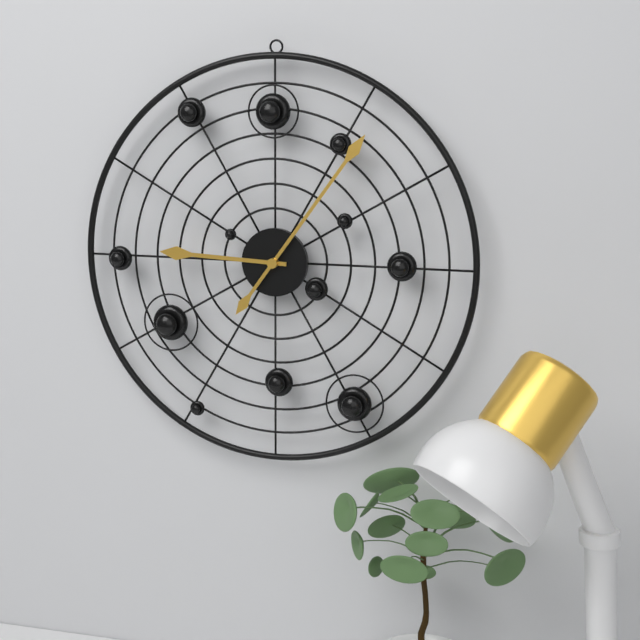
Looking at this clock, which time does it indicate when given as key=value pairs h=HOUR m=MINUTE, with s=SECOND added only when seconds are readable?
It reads h=9 m=6
